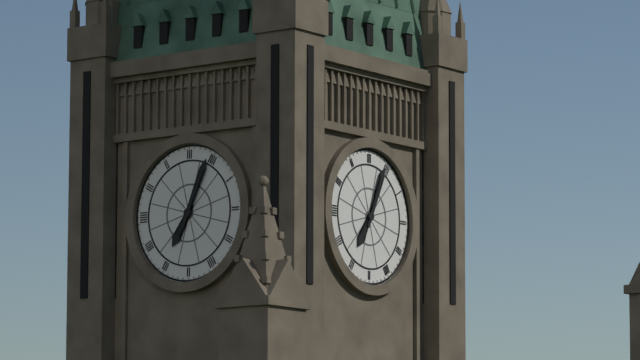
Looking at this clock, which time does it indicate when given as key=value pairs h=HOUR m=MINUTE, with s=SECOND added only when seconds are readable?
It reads h=7 m=4
